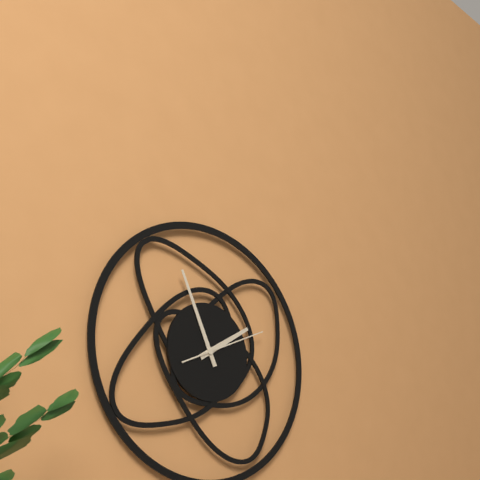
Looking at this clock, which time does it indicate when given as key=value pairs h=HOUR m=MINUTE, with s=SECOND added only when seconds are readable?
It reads h=1 m=56 s=11
